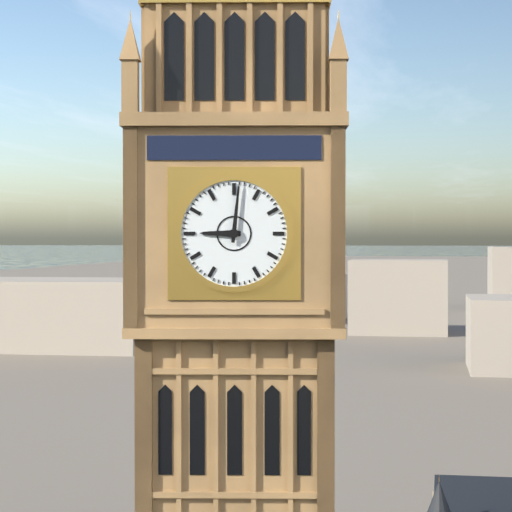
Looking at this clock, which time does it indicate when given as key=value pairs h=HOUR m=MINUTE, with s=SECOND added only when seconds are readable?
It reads h=9 m=1
